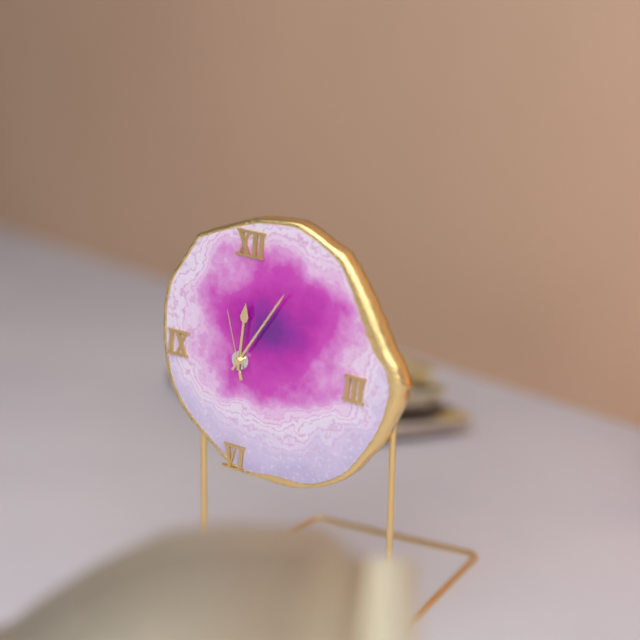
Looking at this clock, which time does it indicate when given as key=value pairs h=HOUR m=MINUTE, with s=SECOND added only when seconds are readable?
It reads h=12 m=5 s=57
